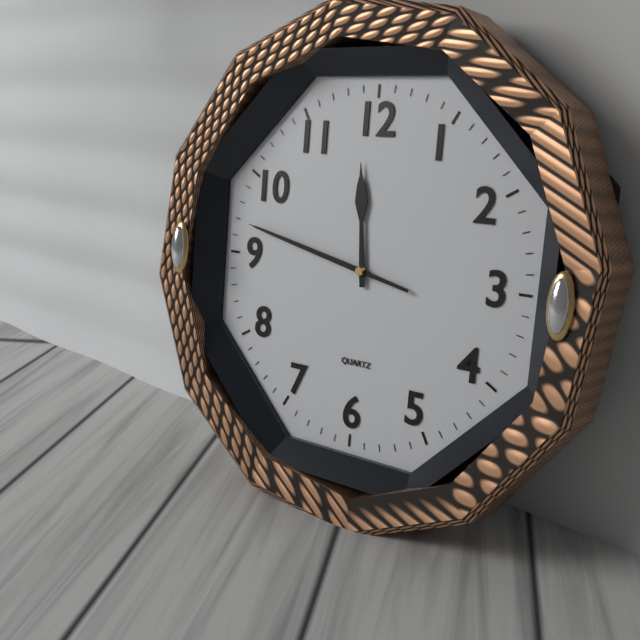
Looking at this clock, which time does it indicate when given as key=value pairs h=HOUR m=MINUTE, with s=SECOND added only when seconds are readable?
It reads h=11 m=47
